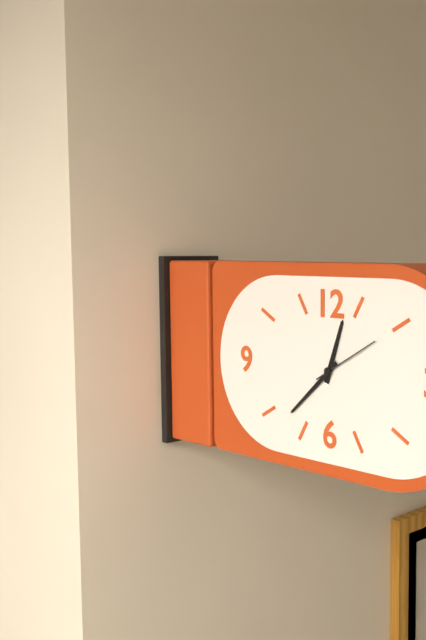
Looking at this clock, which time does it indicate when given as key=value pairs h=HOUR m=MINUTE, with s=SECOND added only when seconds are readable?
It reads h=12 m=38 s=10
